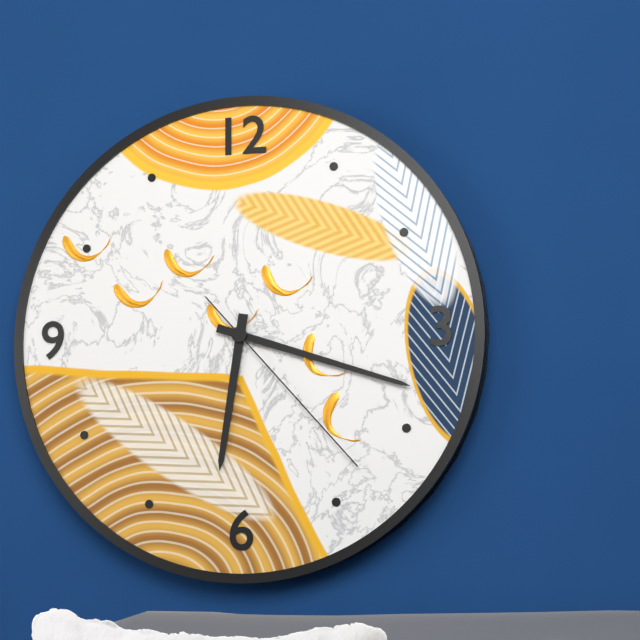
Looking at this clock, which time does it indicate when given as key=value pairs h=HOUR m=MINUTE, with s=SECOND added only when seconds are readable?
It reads h=6 m=18 s=23
